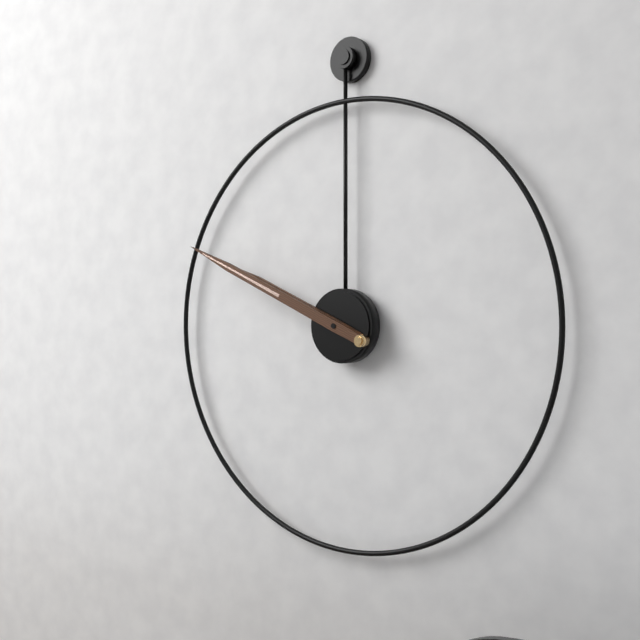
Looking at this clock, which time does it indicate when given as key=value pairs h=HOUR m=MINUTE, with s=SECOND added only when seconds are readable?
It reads h=9 m=49
